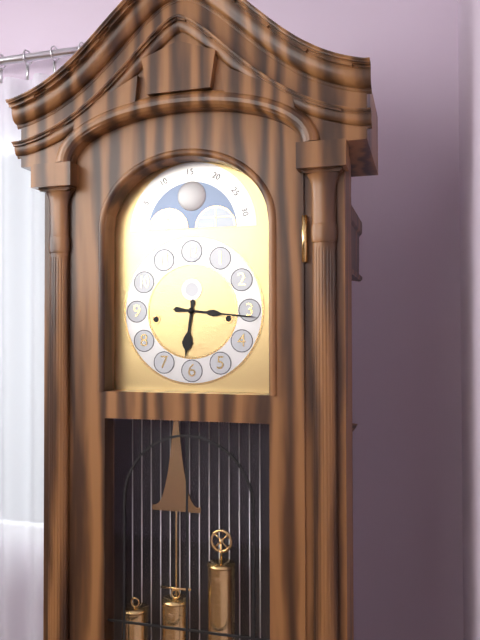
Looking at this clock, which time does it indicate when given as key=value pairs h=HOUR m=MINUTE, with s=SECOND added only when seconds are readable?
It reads h=6 m=16
